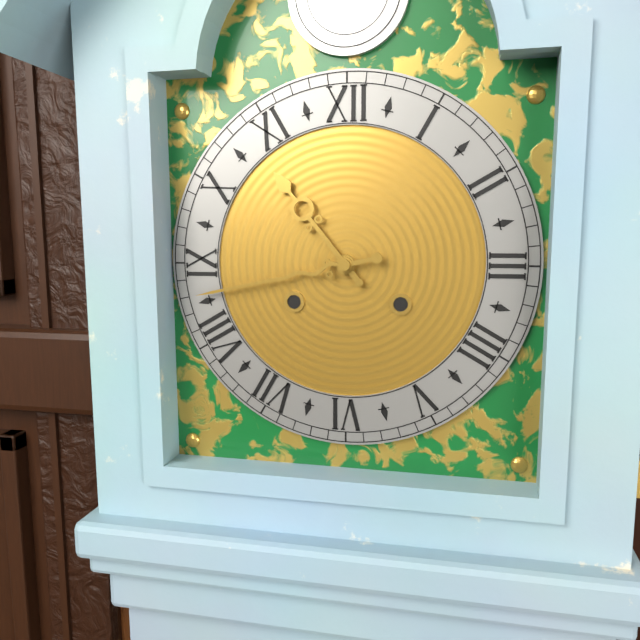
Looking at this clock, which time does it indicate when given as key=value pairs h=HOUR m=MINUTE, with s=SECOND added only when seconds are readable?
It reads h=10 m=43
